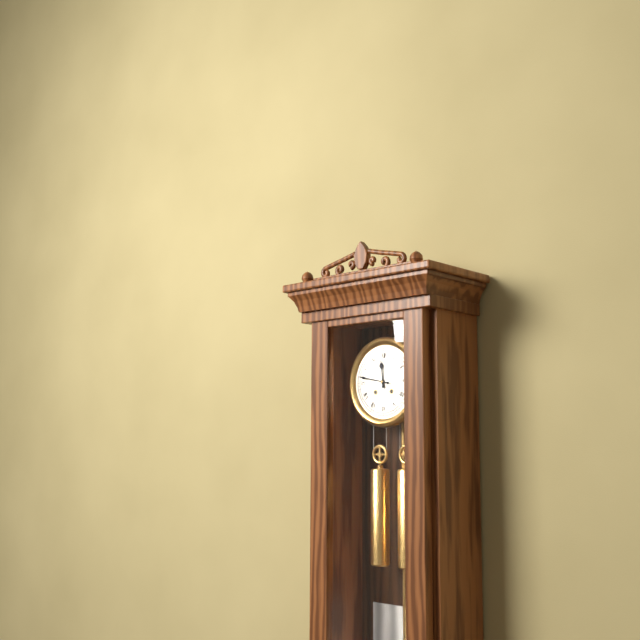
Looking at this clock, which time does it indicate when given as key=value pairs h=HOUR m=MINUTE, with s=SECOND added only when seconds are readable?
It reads h=11 m=47
